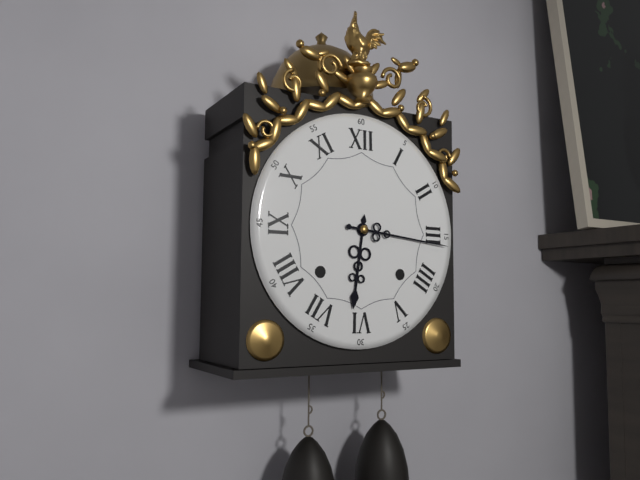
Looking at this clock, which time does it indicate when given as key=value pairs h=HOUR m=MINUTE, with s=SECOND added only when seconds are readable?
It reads h=6 m=16
